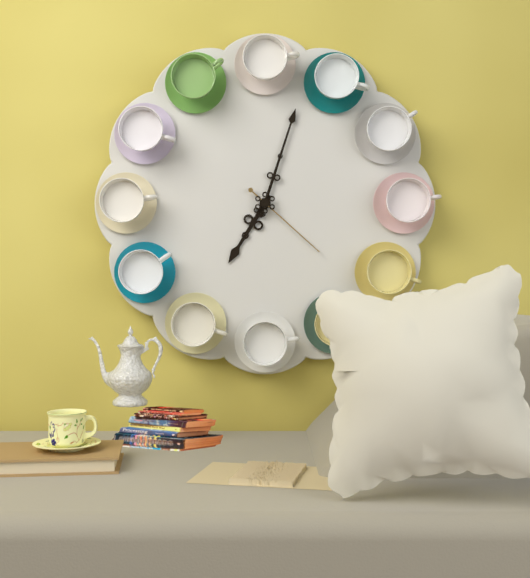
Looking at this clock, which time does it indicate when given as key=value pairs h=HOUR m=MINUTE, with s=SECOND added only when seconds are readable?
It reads h=7 m=3 s=22
